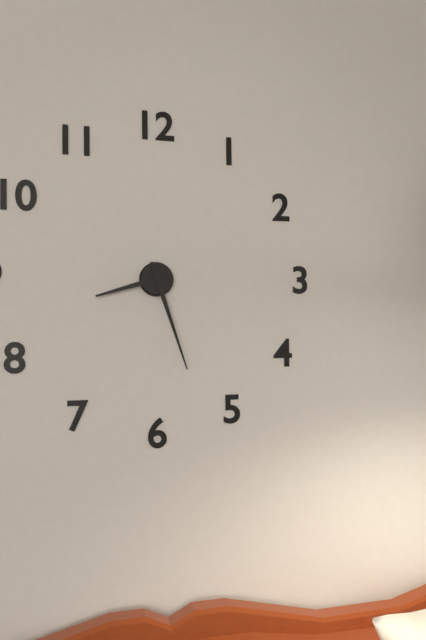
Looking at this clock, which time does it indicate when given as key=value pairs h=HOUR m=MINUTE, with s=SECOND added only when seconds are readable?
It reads h=8 m=27
